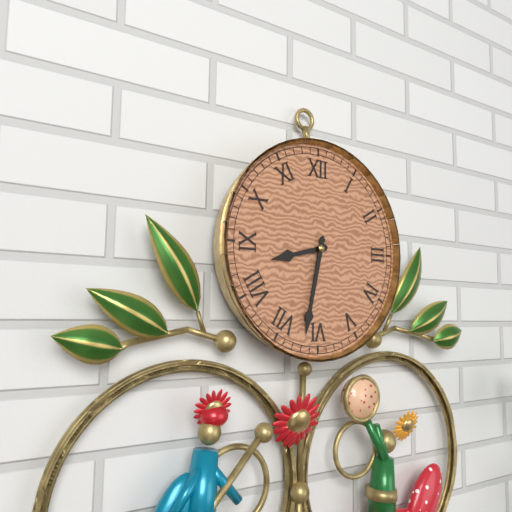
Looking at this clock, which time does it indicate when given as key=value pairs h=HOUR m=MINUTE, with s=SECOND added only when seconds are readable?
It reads h=8 m=32
